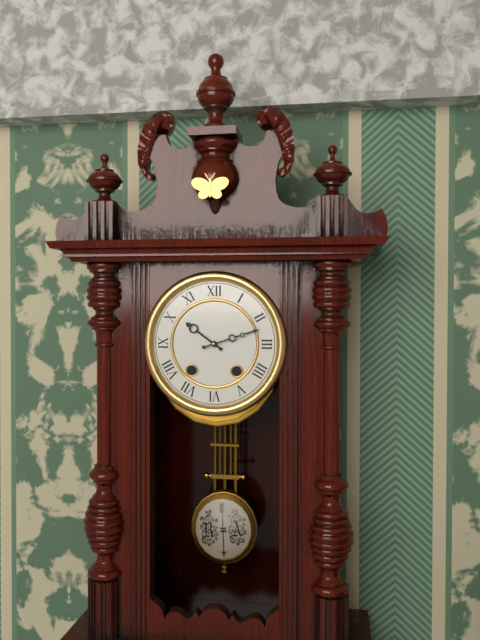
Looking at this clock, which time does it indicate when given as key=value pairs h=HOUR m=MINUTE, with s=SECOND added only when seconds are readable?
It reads h=10 m=12
